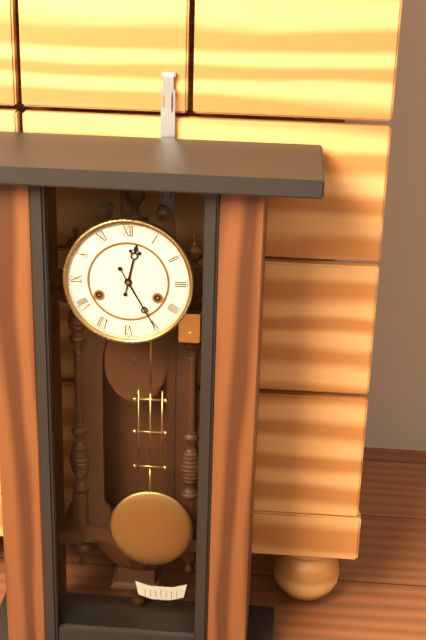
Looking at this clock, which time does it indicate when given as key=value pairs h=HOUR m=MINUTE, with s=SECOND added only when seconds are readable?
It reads h=12 m=25
